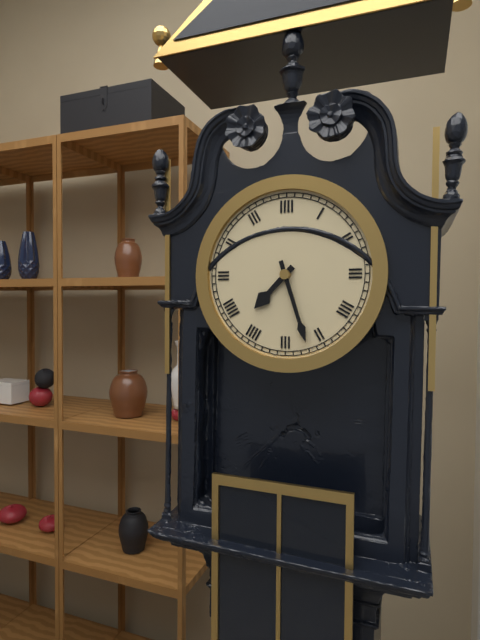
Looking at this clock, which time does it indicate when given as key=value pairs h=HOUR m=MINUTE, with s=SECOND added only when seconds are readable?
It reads h=7 m=27
